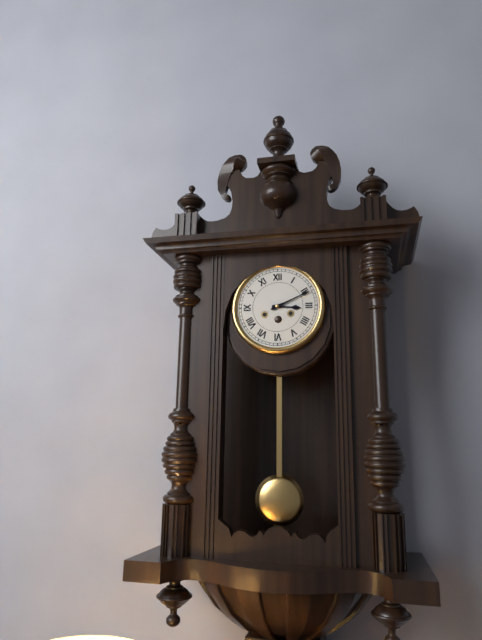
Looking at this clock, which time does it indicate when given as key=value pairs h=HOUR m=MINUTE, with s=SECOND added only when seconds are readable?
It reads h=3 m=11
